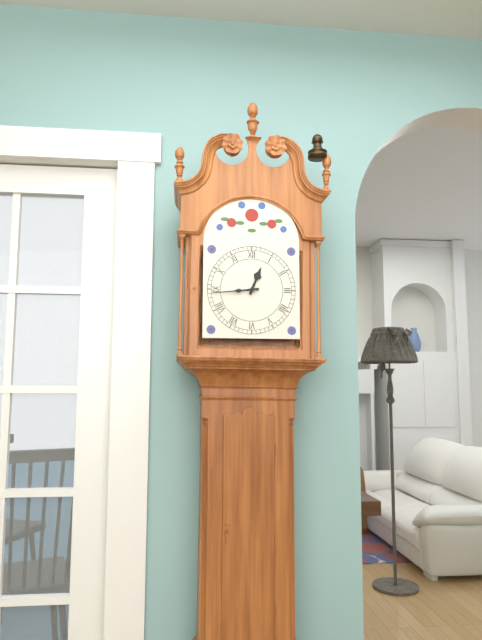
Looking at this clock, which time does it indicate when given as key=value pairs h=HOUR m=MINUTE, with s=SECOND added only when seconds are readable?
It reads h=12 m=44
